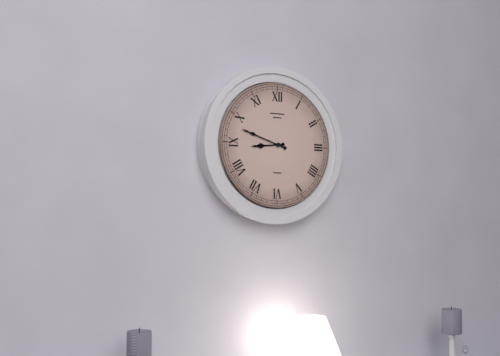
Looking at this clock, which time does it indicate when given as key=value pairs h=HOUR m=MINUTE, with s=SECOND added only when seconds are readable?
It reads h=8 m=48
